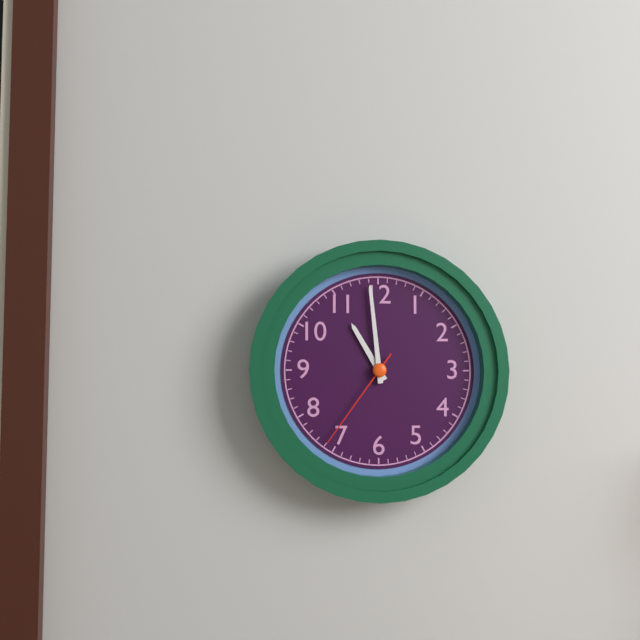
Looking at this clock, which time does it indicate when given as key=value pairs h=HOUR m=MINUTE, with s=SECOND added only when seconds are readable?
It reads h=10 m=59 s=36
